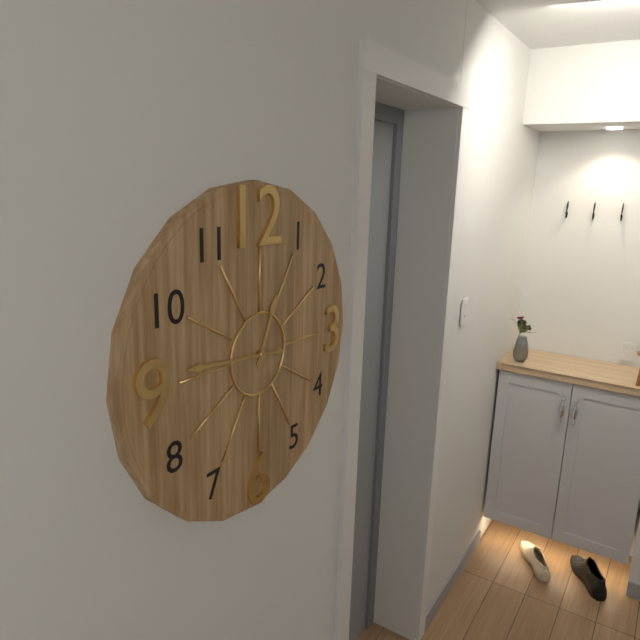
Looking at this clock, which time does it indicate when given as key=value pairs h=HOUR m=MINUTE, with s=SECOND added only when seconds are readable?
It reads h=12 m=46
